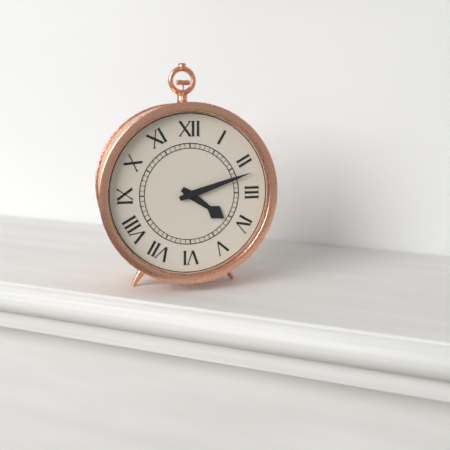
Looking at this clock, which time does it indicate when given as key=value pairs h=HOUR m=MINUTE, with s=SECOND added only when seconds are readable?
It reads h=4 m=12
